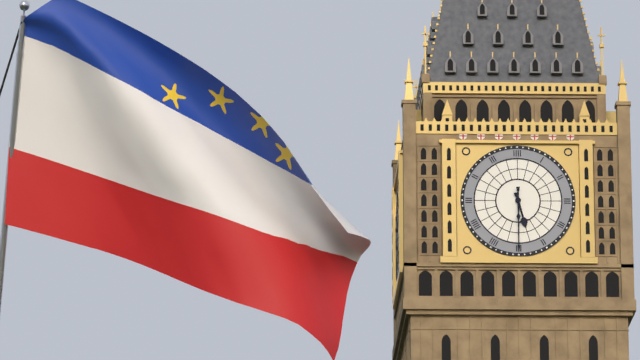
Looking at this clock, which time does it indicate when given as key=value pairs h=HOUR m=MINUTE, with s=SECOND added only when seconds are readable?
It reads h=5 m=30
